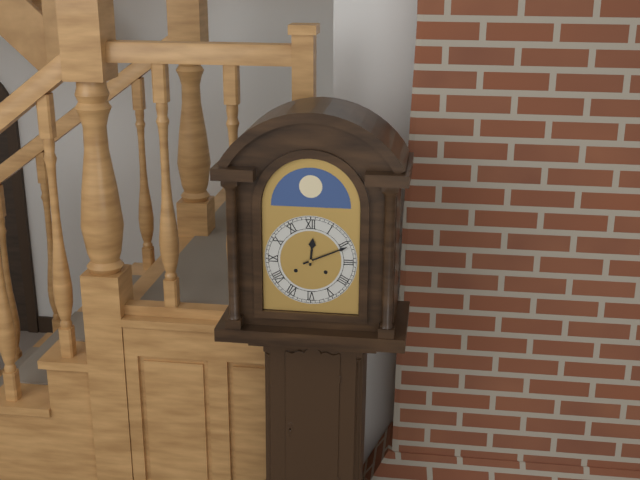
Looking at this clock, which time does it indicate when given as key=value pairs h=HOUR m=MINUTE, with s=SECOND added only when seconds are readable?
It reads h=12 m=11
